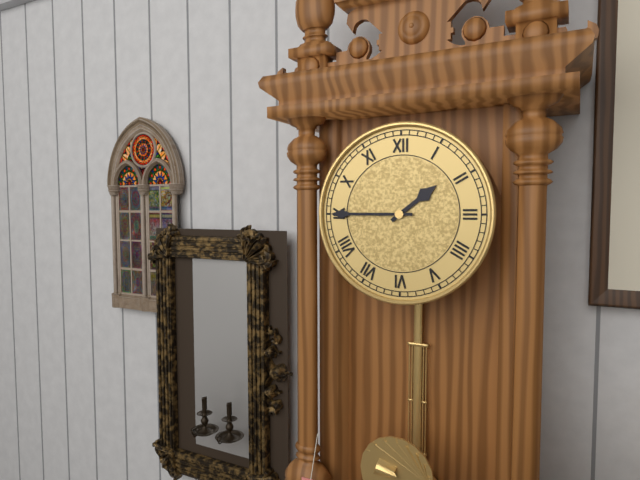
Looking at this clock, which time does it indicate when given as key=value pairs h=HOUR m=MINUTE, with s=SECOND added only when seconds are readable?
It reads h=1 m=45
